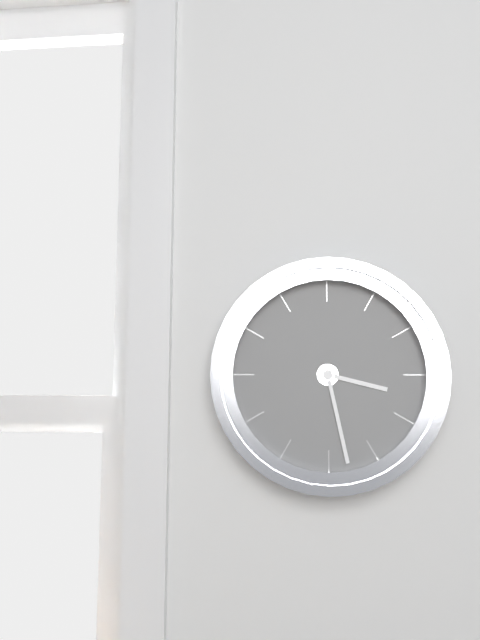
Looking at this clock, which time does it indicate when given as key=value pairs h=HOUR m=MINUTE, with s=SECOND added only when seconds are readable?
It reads h=3 m=28
